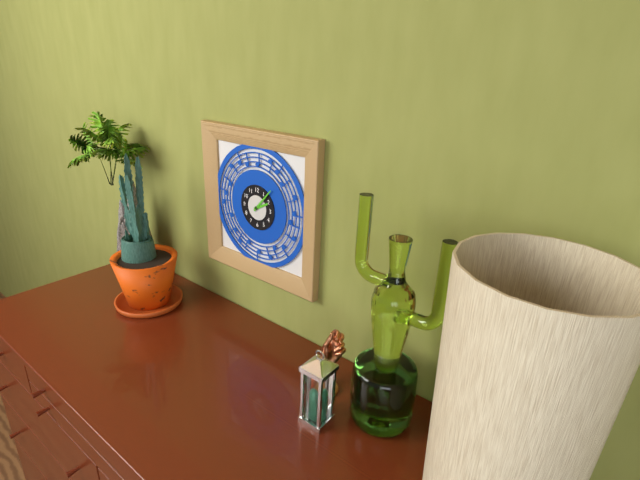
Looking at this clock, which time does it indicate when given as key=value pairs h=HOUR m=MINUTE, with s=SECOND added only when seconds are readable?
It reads h=2 m=7
